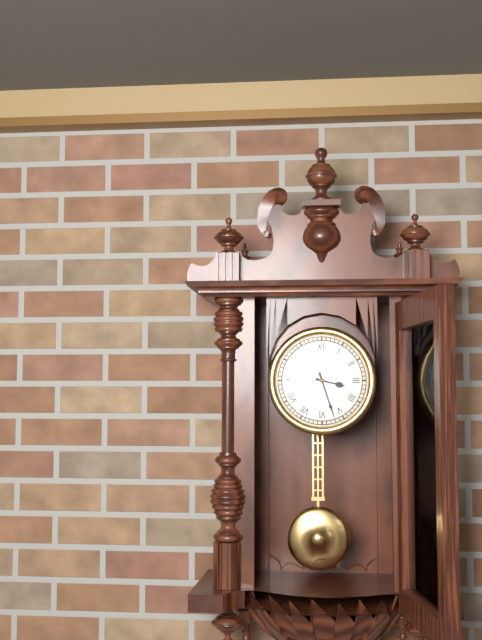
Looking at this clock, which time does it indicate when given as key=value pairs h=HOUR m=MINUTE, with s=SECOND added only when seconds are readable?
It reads h=3 m=27
